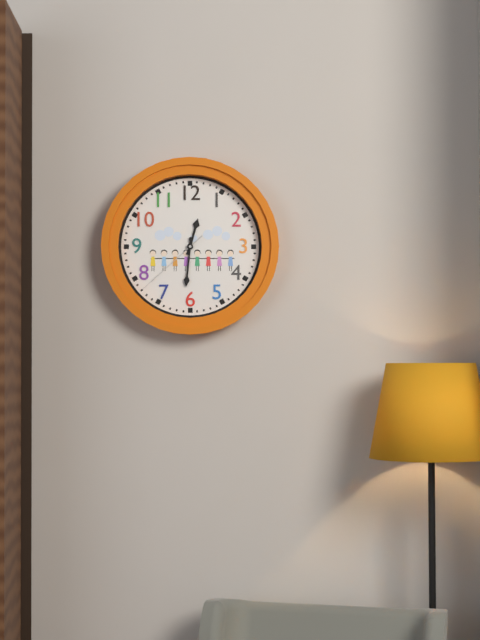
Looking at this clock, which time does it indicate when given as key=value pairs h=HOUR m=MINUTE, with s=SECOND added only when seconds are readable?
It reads h=12 m=31 s=38
